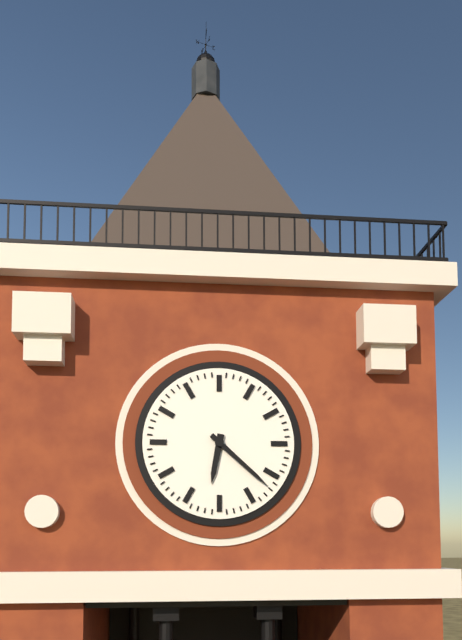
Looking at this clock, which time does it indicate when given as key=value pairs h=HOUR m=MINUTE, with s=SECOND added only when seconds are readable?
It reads h=6 m=22
